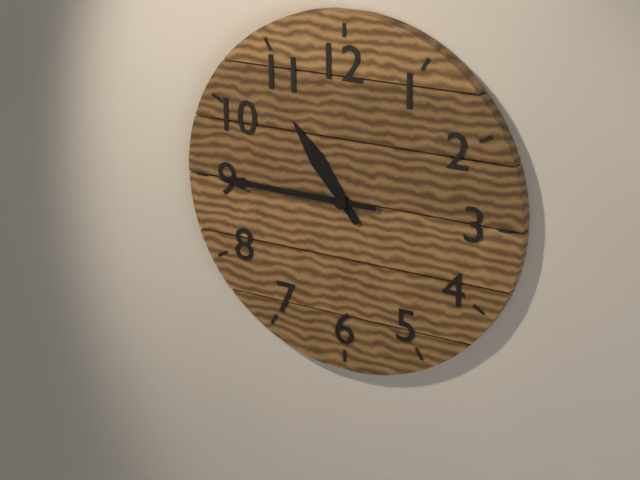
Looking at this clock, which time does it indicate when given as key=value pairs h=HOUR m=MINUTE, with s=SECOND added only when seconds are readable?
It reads h=10 m=45
